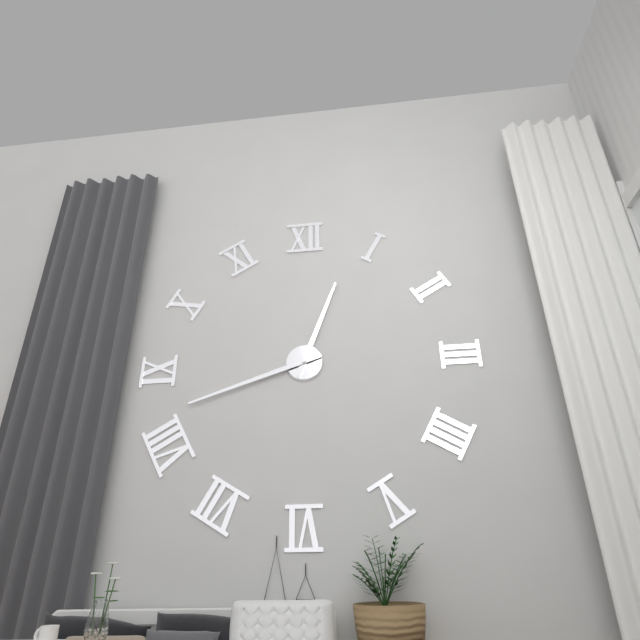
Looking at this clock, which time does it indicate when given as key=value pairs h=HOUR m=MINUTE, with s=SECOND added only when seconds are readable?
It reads h=12 m=42
